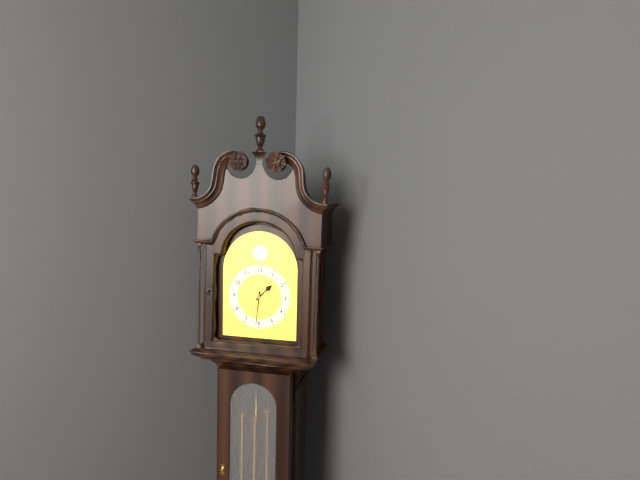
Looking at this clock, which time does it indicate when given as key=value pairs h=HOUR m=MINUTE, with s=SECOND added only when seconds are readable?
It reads h=1 m=31
